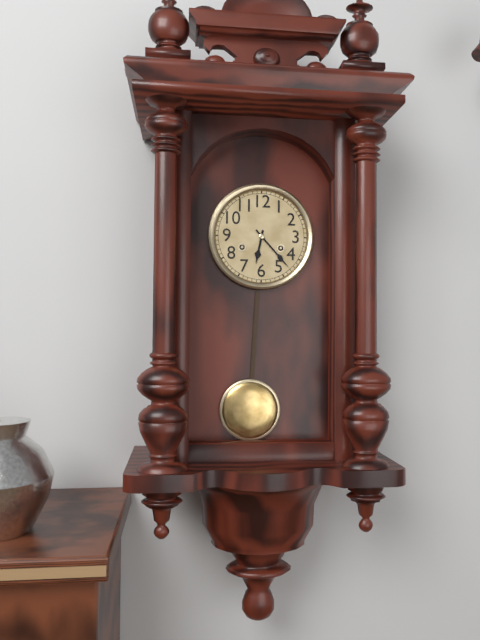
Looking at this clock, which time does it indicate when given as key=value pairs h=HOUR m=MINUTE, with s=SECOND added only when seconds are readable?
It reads h=6 m=23
